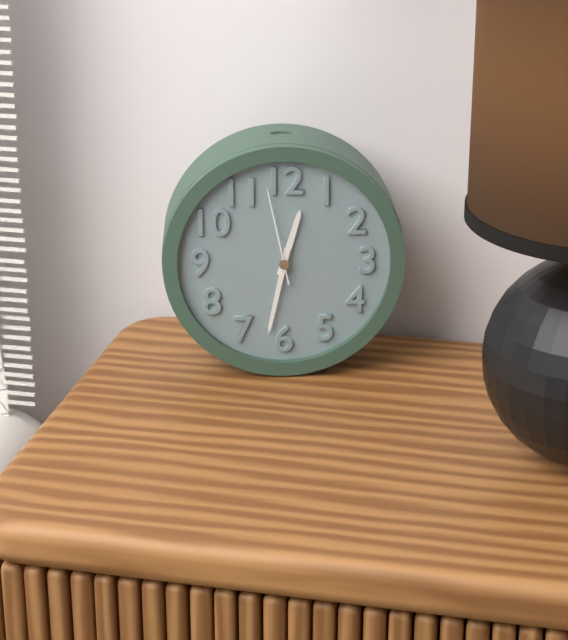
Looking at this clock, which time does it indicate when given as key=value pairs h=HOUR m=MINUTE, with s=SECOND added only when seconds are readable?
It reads h=12 m=32 s=58
